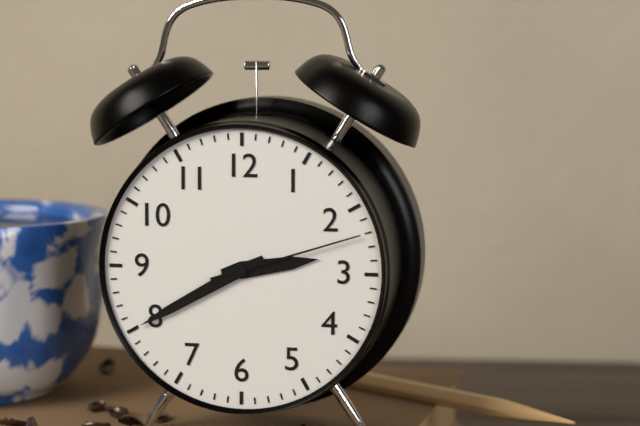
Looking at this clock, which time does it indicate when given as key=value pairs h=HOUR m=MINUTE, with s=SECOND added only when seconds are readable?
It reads h=2 m=40 s=12
